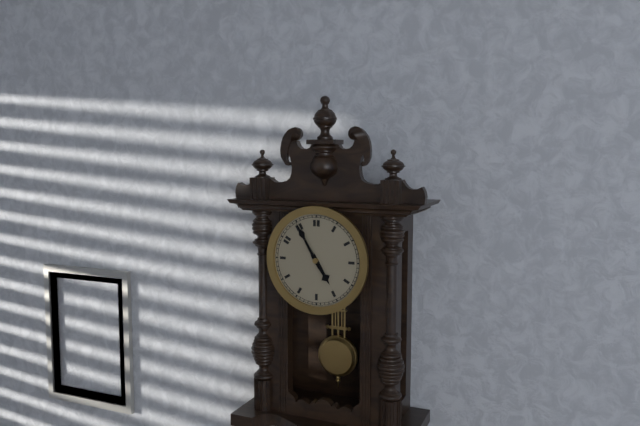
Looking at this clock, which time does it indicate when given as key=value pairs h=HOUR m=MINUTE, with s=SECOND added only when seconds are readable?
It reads h=4 m=55
